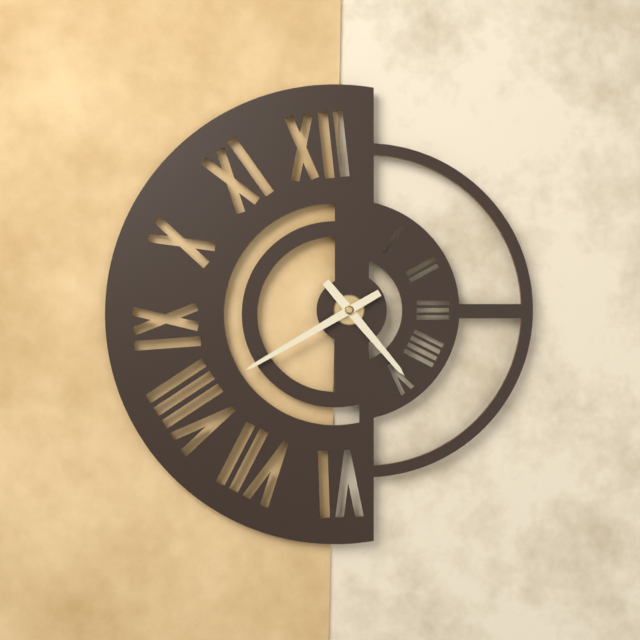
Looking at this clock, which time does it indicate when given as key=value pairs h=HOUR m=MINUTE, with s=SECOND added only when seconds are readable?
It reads h=4 m=40
